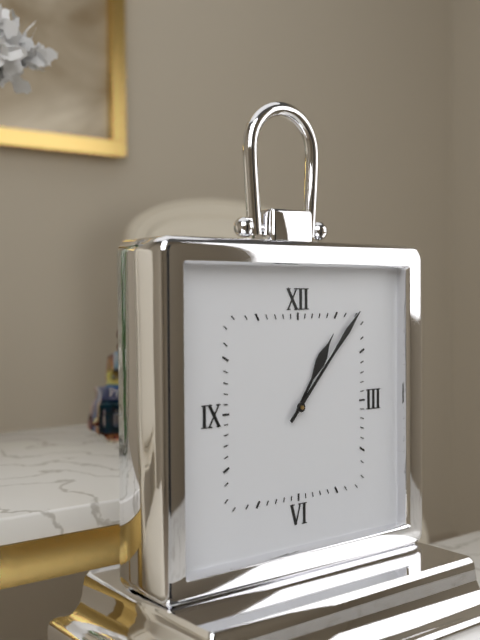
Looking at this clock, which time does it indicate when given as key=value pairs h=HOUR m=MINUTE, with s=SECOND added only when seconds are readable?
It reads h=1 m=7
